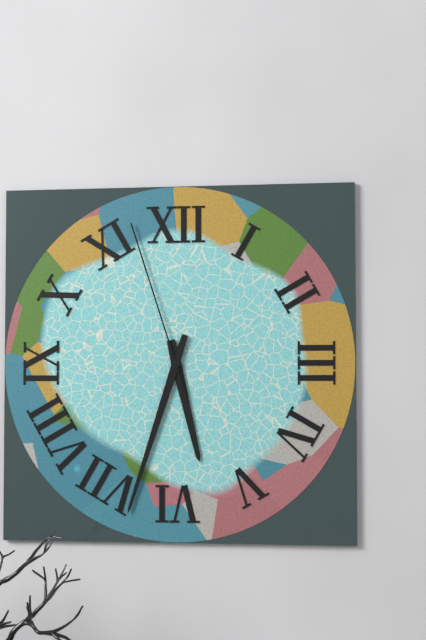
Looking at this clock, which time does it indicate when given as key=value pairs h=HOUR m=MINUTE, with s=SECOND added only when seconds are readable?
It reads h=5 m=33 s=57
